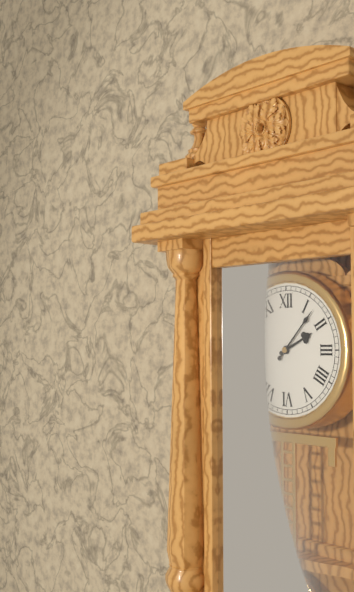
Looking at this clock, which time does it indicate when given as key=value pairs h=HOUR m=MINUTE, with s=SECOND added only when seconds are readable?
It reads h=2 m=7
